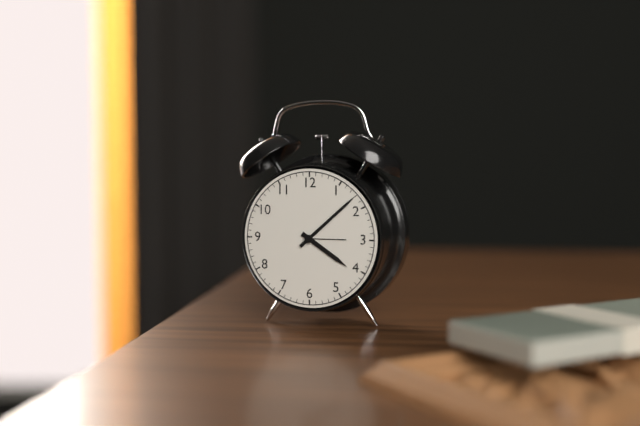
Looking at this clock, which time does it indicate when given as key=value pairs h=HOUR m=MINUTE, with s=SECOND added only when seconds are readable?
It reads h=4 m=8
